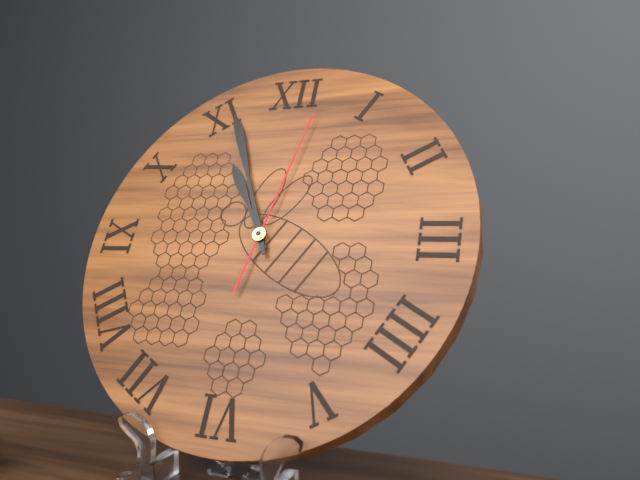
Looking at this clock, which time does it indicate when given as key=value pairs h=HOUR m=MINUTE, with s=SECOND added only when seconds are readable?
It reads h=10 m=56 s=2
